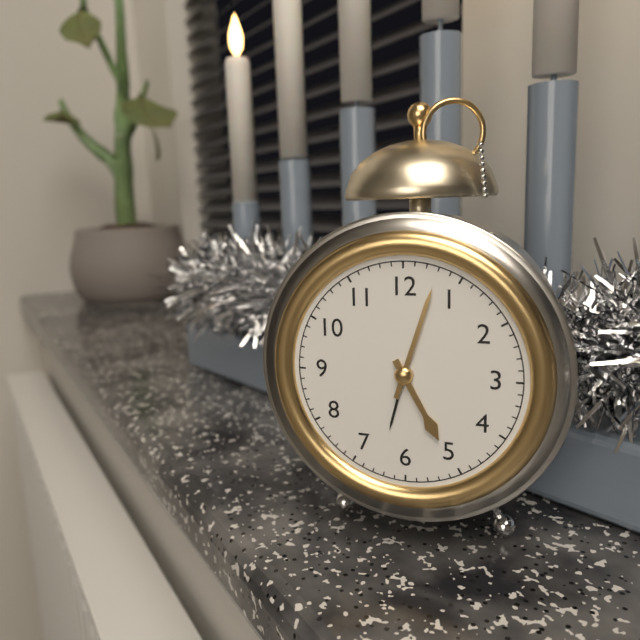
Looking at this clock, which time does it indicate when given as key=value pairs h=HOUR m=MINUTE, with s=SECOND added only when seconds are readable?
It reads h=5 m=3
